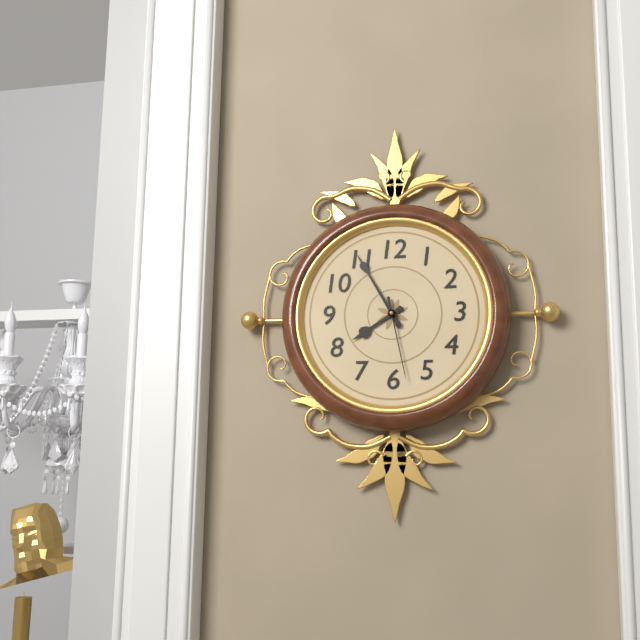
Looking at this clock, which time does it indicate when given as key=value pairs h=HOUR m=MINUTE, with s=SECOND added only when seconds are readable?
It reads h=7 m=55 s=28
